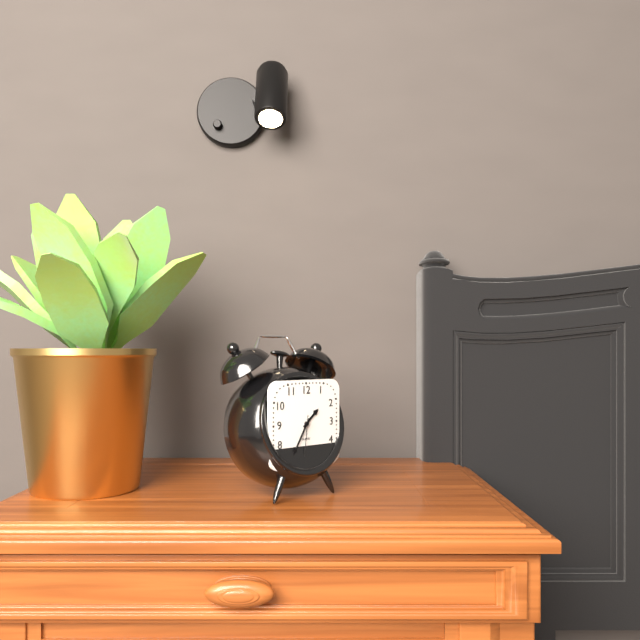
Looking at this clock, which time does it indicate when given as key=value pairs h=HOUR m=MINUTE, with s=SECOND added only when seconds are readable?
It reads h=1 m=35
